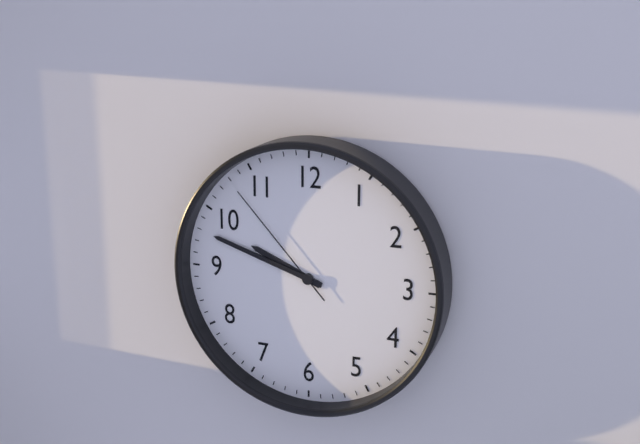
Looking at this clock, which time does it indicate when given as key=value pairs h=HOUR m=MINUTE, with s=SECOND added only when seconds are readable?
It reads h=9 m=48 s=53
